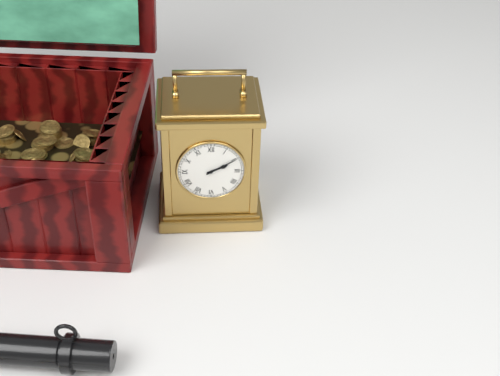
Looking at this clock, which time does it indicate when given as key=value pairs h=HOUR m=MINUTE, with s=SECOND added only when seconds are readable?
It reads h=2 m=10
